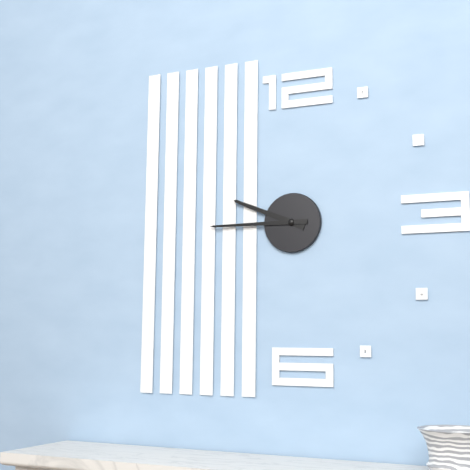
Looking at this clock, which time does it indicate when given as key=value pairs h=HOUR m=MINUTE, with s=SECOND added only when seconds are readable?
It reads h=9 m=45
